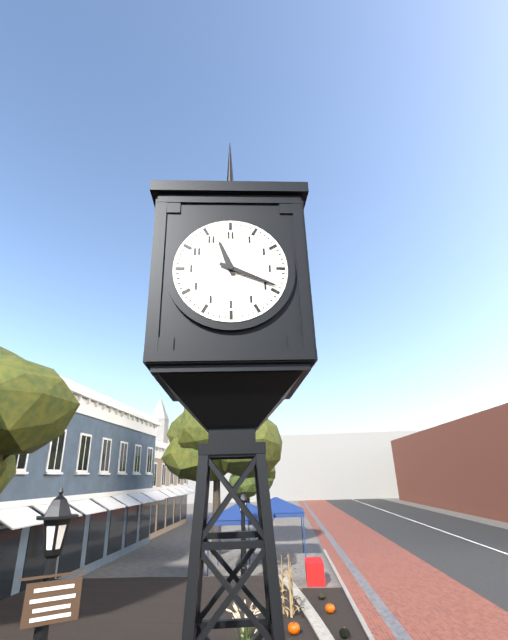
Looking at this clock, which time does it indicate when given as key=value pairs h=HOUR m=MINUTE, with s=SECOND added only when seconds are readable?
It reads h=11 m=19
